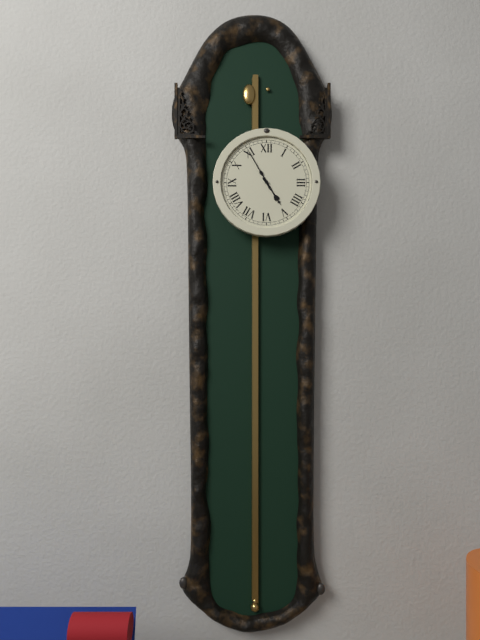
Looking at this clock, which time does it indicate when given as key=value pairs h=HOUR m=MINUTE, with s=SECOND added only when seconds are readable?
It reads h=4 m=55
